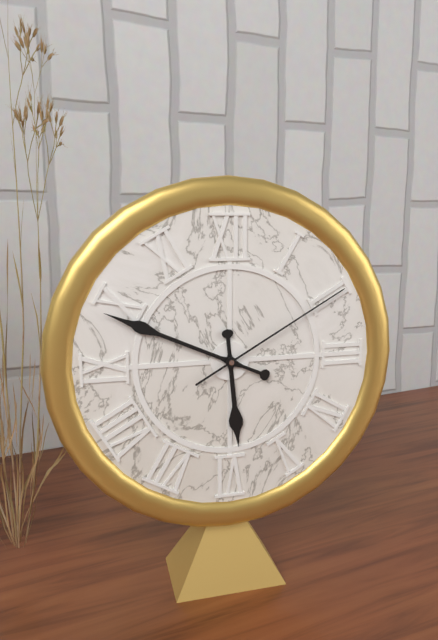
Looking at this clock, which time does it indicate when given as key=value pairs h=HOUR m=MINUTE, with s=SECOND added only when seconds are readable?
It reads h=5 m=49 s=10
